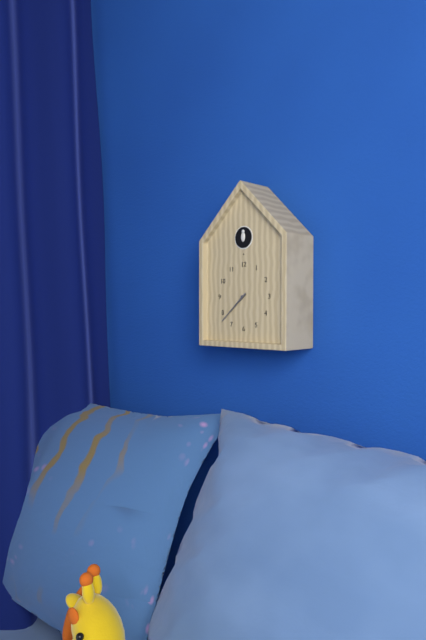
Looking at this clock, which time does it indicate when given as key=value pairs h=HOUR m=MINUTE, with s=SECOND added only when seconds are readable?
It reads h=7 m=38
